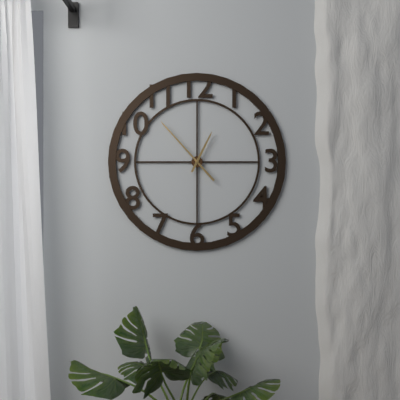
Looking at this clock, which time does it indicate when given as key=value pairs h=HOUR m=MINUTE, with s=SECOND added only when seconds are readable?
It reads h=12 m=53
